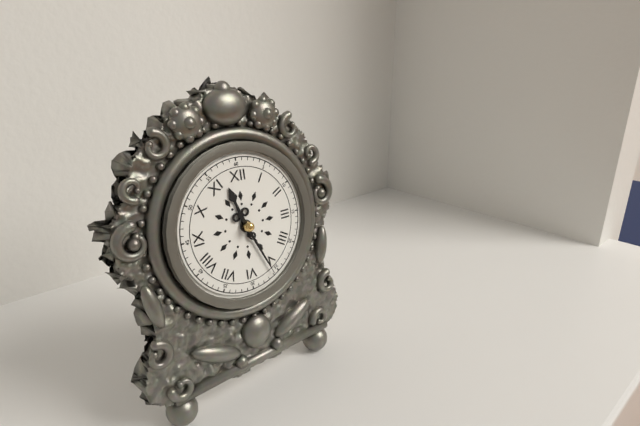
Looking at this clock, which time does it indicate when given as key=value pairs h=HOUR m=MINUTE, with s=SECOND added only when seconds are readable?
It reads h=11 m=26
